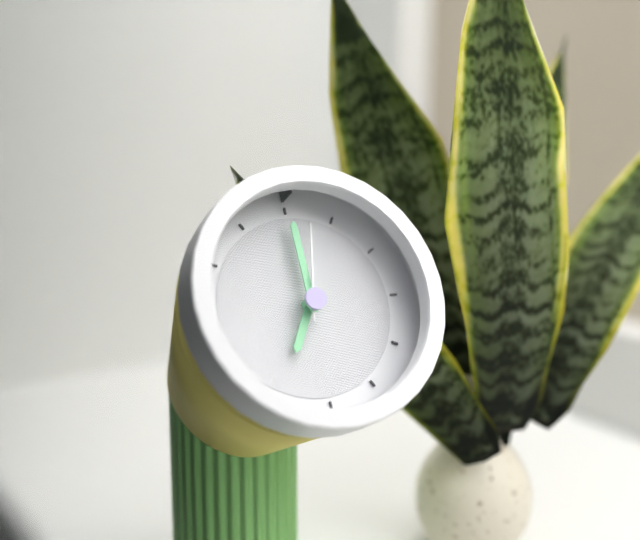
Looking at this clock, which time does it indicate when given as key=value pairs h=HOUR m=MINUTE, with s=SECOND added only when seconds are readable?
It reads h=7 m=0 s=2
